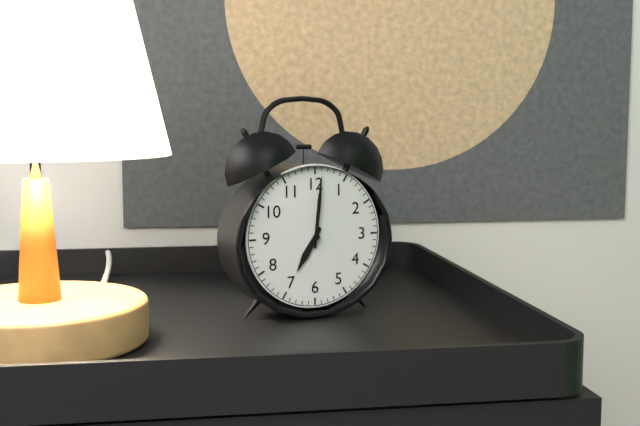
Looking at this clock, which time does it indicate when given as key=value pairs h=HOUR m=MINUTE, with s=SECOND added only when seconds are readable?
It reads h=7 m=1
